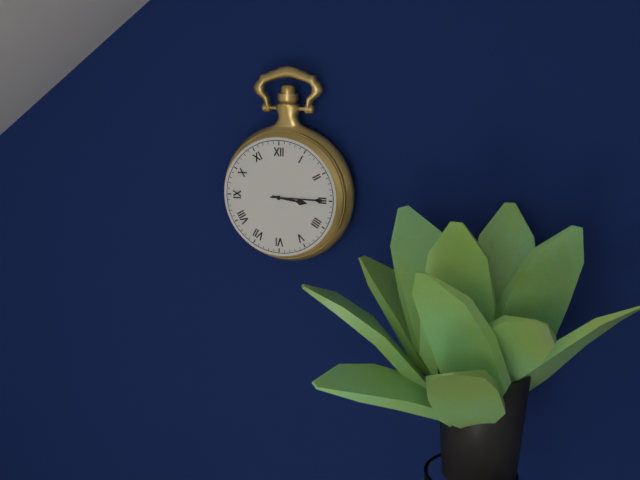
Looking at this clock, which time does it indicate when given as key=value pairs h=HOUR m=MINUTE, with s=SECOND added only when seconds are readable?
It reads h=3 m=15
